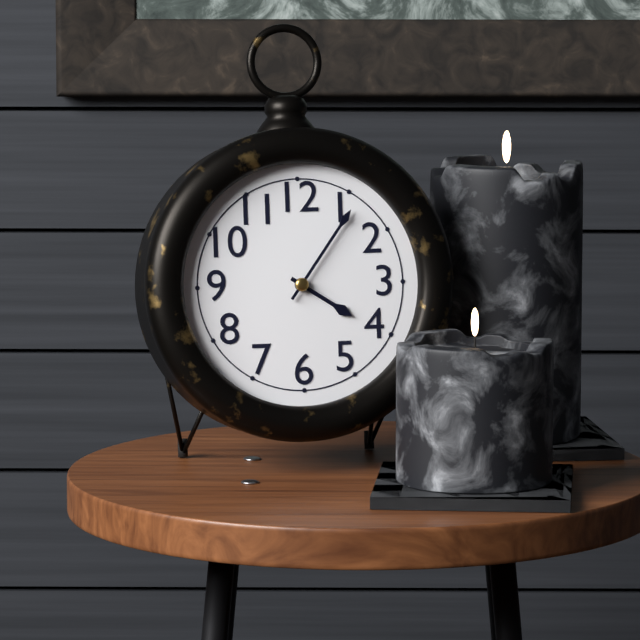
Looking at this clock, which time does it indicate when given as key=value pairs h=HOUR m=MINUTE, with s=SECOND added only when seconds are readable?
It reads h=4 m=6
